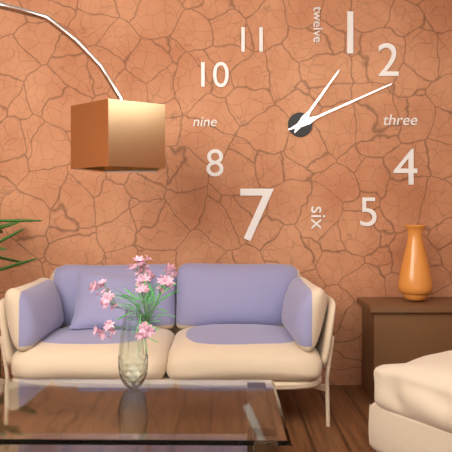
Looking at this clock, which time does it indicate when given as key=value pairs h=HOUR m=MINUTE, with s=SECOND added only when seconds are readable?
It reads h=1 m=11
